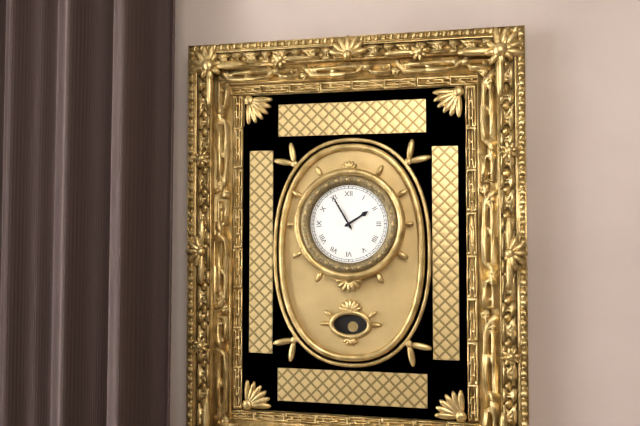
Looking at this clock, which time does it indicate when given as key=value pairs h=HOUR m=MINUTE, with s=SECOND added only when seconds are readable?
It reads h=1 m=55
